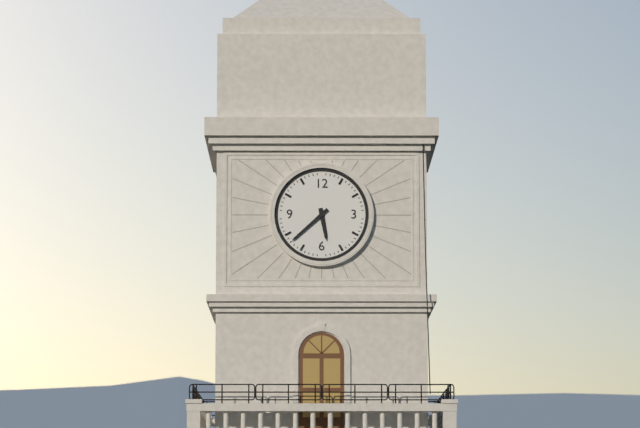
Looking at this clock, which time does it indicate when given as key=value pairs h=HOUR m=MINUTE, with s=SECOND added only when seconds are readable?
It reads h=5 m=38
